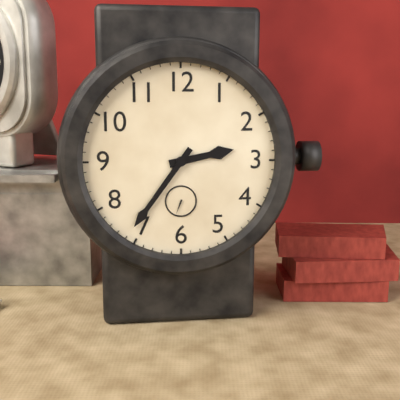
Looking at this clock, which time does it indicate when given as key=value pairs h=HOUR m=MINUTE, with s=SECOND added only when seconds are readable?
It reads h=2 m=36
